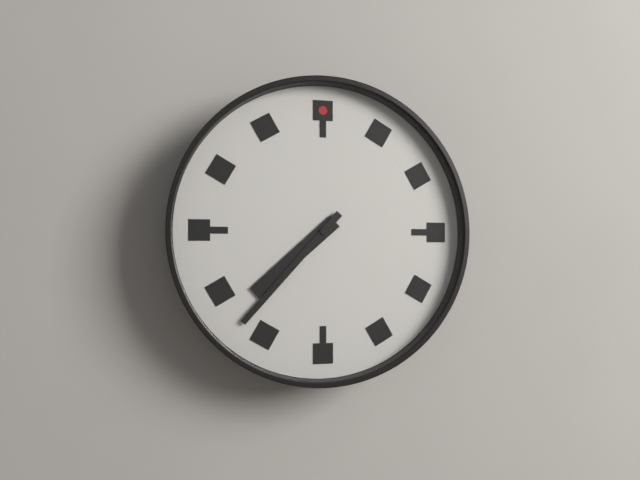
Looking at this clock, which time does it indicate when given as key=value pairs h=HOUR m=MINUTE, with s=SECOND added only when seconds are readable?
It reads h=7 m=37
